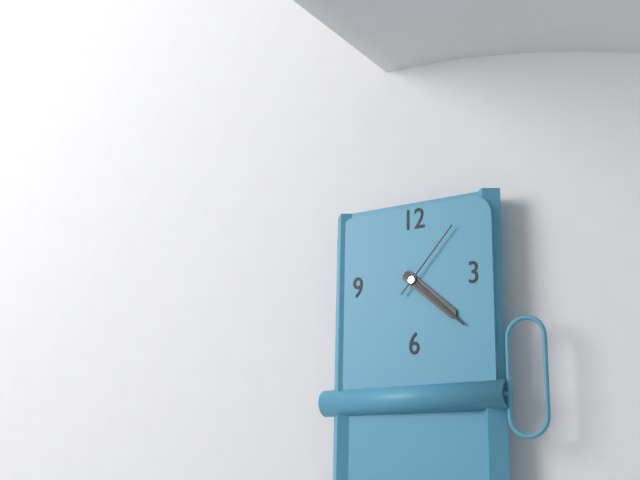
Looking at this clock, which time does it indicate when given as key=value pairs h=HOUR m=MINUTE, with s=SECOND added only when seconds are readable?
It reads h=4 m=22 s=7
